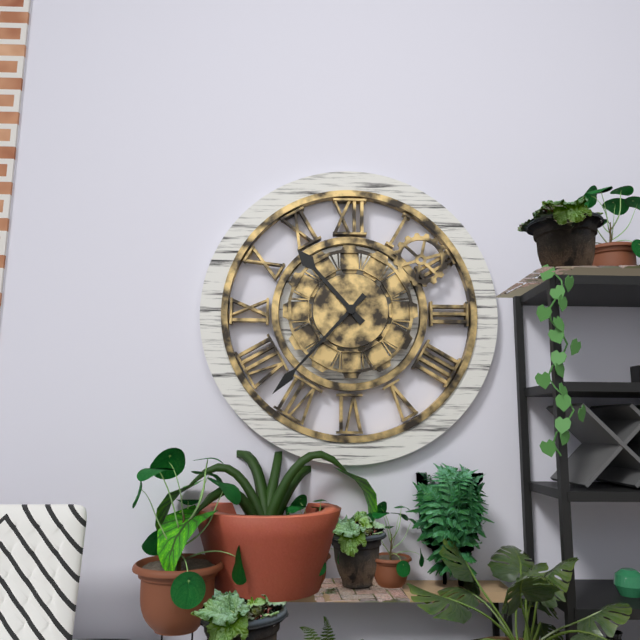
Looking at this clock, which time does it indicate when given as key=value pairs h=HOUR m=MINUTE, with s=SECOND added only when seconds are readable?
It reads h=10 m=37
